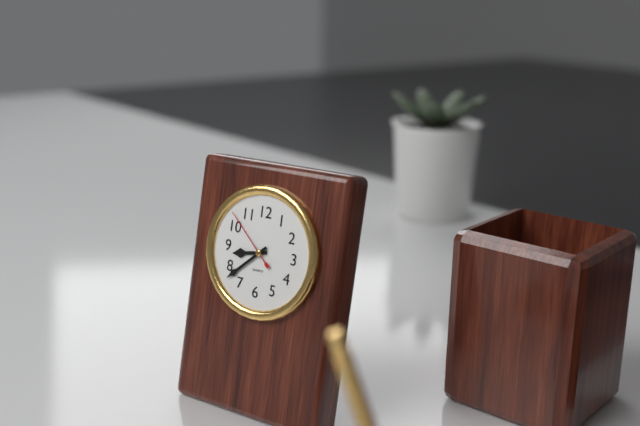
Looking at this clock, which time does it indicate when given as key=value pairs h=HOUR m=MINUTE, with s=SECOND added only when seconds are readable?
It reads h=8 m=38 s=52
